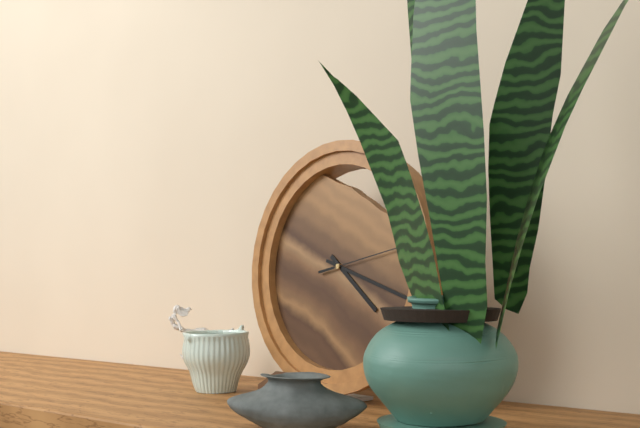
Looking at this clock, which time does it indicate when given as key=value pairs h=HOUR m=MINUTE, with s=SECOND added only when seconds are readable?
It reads h=4 m=18 s=13
